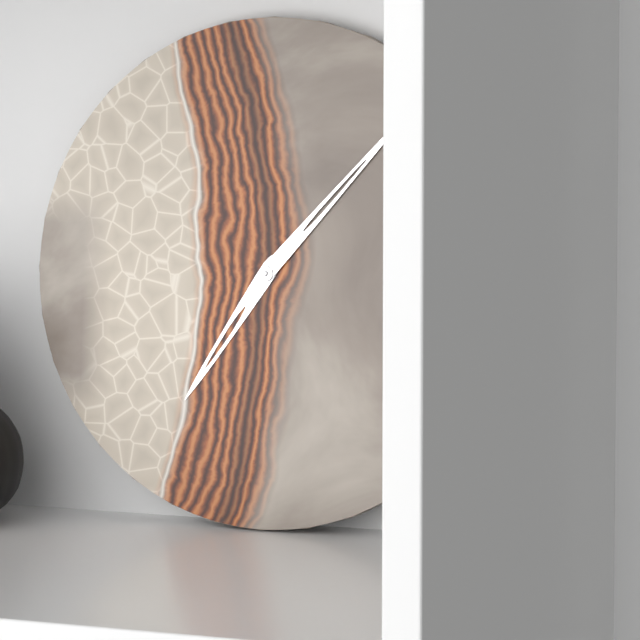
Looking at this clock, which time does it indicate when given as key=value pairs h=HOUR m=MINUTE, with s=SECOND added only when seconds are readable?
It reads h=7 m=7
